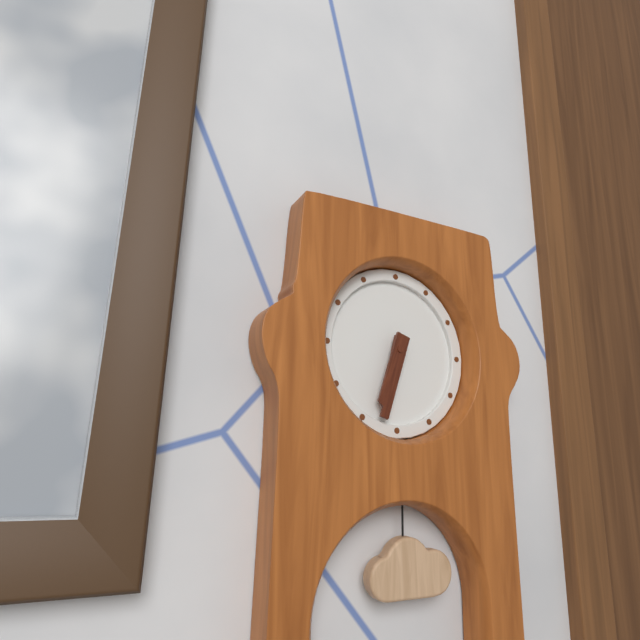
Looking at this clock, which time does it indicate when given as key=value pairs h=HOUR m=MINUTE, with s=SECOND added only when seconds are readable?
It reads h=6 m=33
